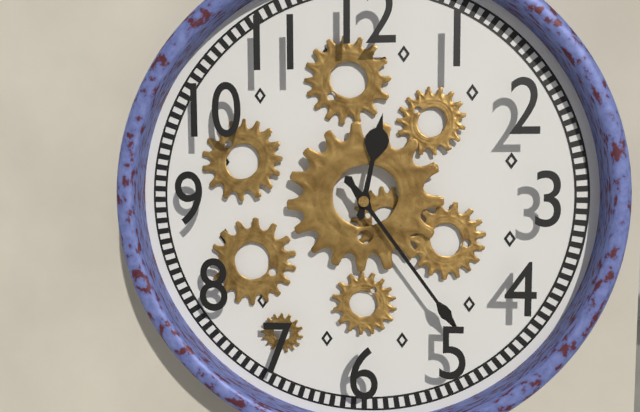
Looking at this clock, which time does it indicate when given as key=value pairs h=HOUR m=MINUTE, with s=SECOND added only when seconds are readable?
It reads h=12 m=24
